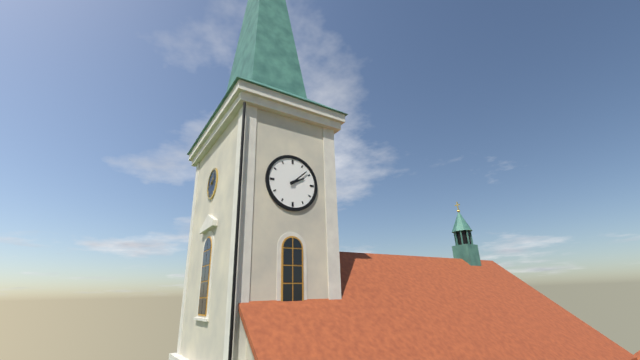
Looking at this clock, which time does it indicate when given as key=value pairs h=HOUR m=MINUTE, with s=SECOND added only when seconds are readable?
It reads h=2 m=8
